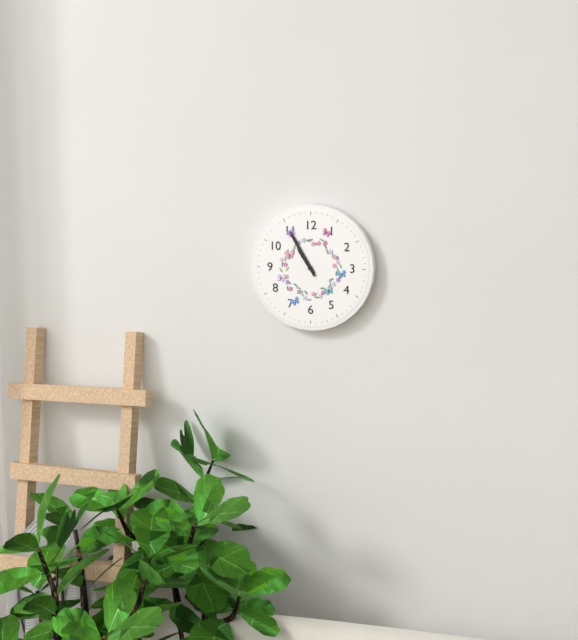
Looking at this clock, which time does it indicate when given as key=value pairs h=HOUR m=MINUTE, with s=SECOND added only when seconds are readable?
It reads h=10 m=55
